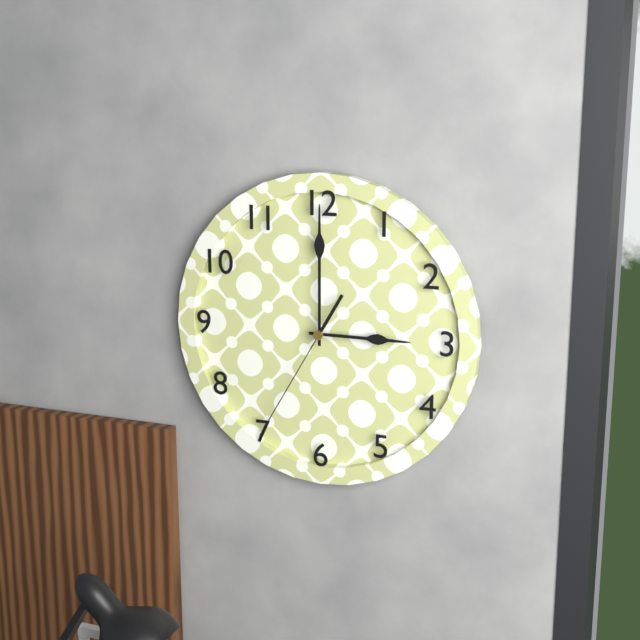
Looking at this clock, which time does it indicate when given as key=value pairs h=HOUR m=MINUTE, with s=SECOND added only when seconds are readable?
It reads h=3 m=0 s=35
